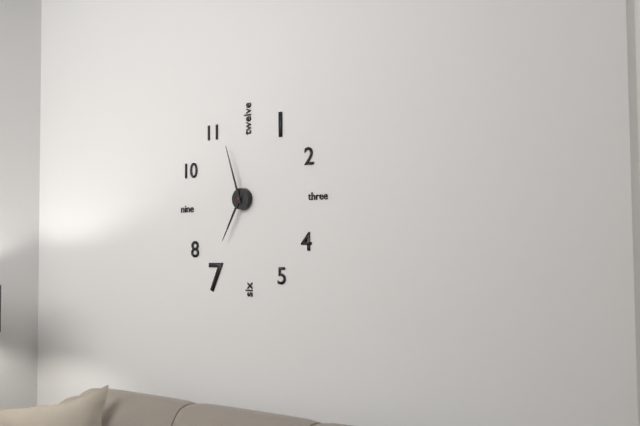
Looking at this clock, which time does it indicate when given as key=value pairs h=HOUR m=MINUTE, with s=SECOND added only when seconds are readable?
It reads h=6 m=57
